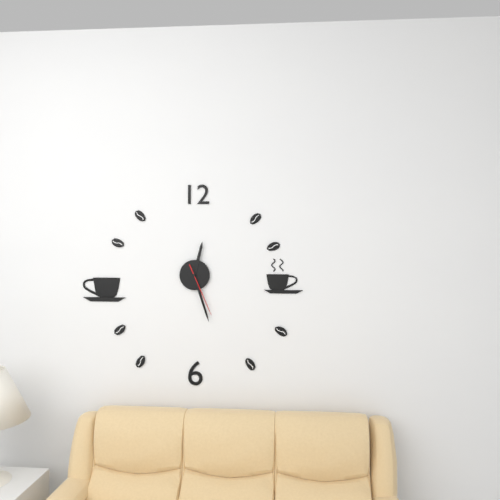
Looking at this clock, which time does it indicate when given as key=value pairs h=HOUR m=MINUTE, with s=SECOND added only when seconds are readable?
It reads h=12 m=27 s=26
